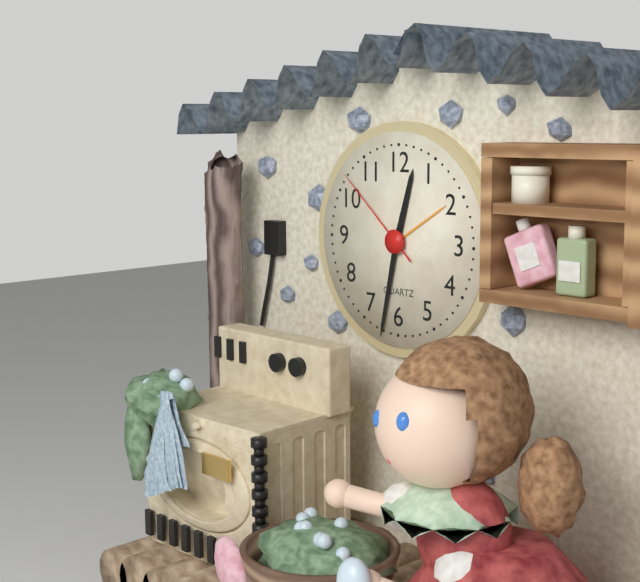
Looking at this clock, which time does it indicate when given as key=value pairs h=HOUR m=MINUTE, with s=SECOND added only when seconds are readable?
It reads h=12 m=32 s=52
